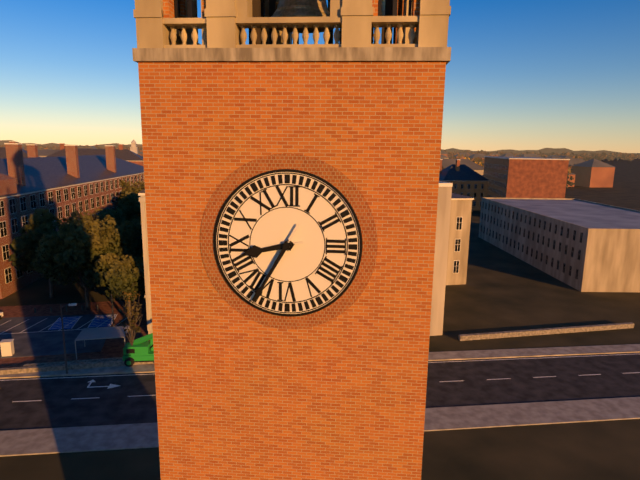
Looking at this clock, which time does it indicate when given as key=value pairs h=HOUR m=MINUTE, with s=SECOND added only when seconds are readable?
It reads h=8 m=35
